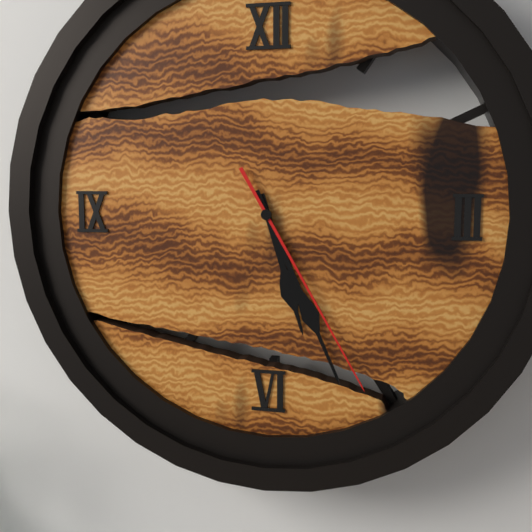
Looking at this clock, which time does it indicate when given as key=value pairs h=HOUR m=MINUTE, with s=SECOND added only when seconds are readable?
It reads h=5 m=26 s=25
